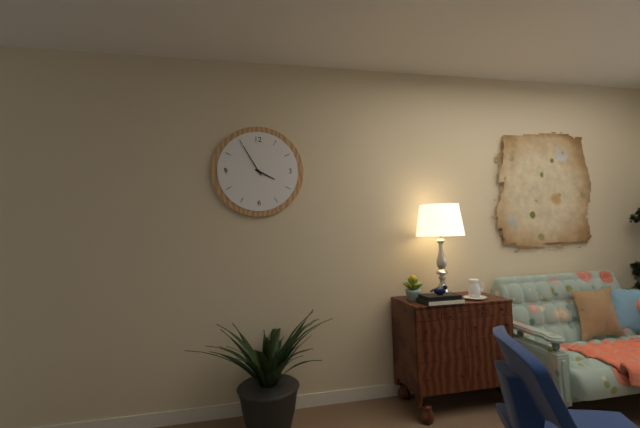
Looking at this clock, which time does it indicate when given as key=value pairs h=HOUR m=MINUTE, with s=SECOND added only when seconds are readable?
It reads h=3 m=55
